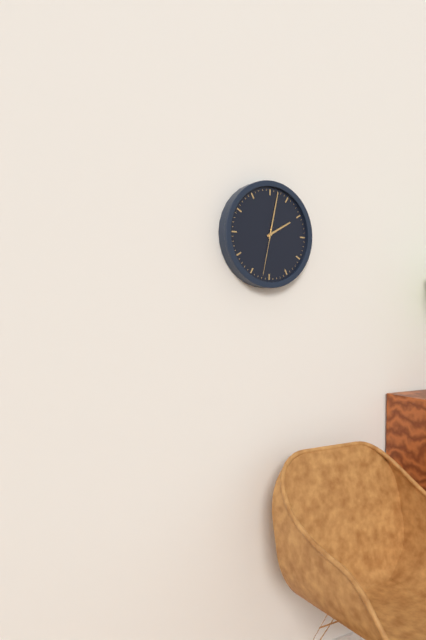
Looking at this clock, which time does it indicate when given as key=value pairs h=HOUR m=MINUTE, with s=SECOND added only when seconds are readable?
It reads h=2 m=2
